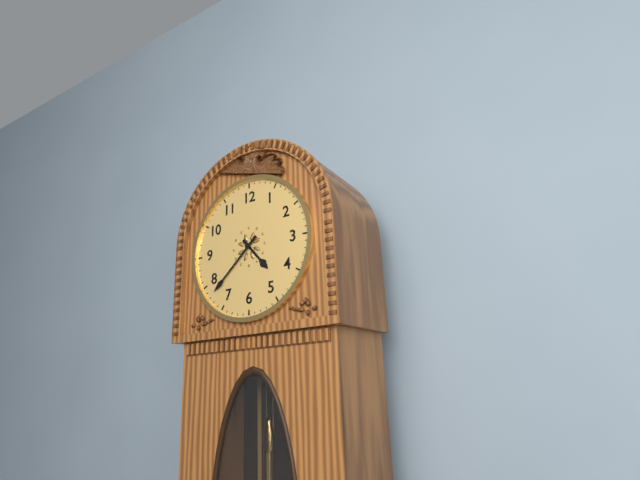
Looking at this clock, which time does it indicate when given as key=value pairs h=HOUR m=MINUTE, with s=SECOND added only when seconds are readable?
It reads h=4 m=38
